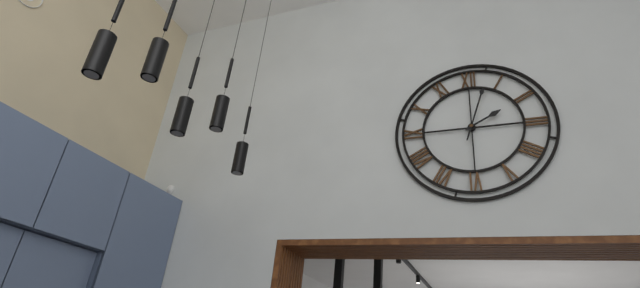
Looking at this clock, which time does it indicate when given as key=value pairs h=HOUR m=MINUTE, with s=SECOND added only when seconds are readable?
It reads h=2 m=3
